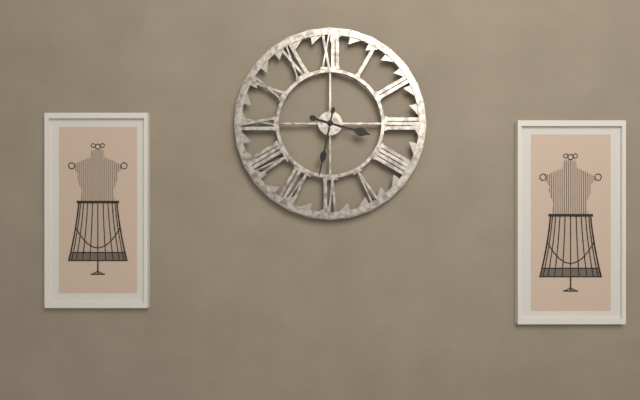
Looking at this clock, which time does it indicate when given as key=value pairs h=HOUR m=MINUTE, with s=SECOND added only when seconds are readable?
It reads h=3 m=32
